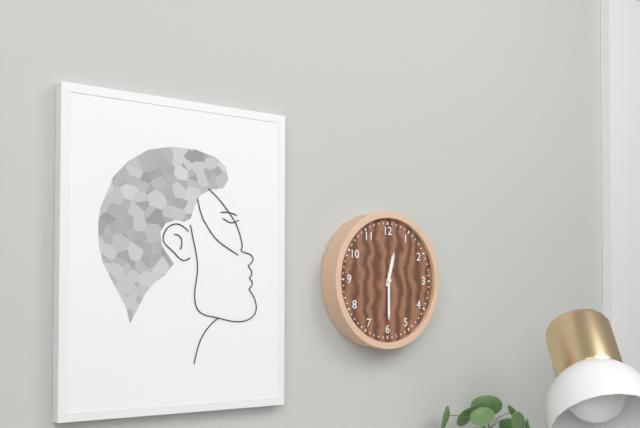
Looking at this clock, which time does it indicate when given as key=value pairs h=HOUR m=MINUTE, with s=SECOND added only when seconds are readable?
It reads h=12 m=30
